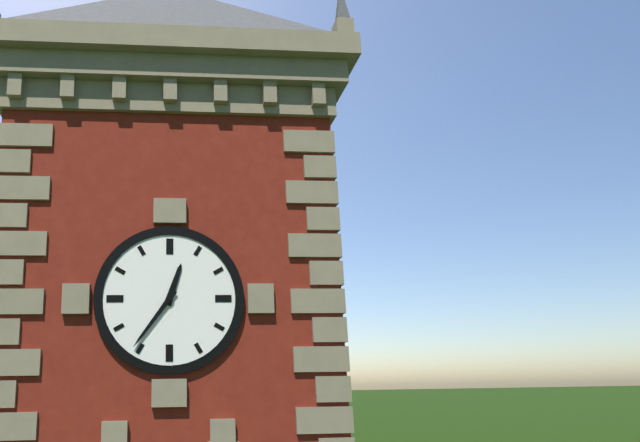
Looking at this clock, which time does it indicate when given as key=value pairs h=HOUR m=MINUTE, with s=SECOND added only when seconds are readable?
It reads h=12 m=36
